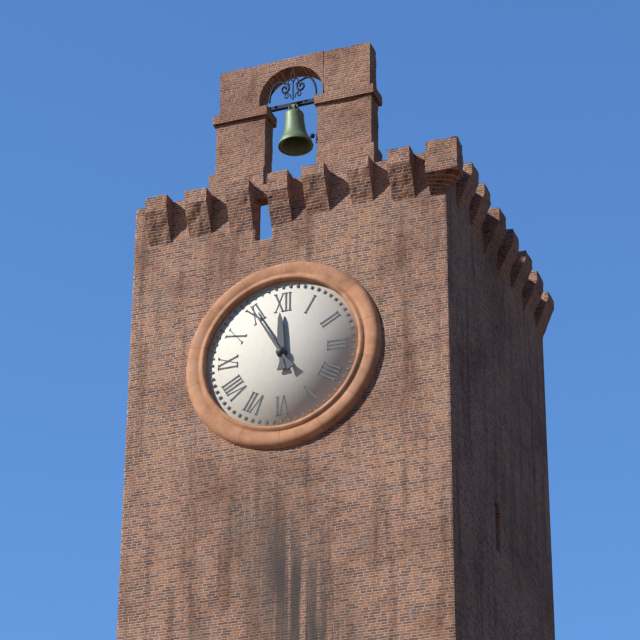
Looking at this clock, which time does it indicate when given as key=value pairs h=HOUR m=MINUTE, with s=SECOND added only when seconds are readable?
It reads h=11 m=55
